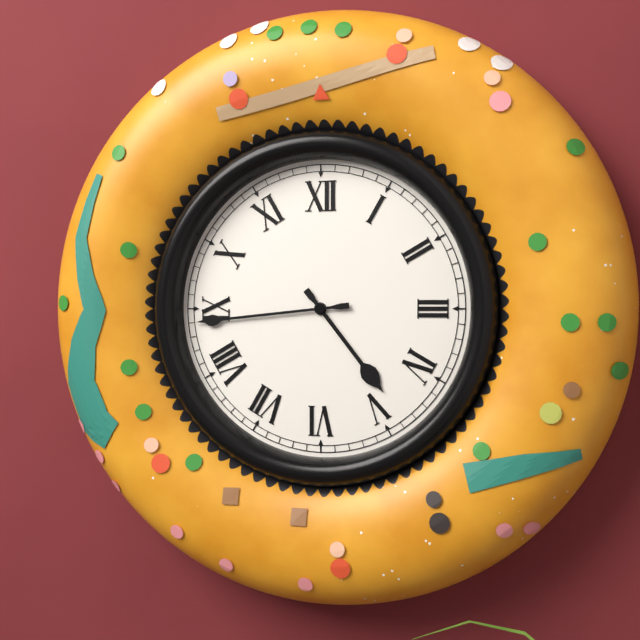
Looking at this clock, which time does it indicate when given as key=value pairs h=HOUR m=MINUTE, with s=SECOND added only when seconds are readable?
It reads h=4 m=44
